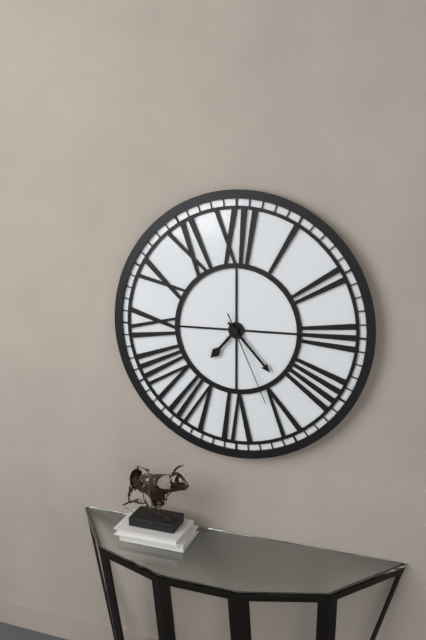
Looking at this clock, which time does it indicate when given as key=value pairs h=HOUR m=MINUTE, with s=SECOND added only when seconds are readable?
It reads h=7 m=23 s=26
